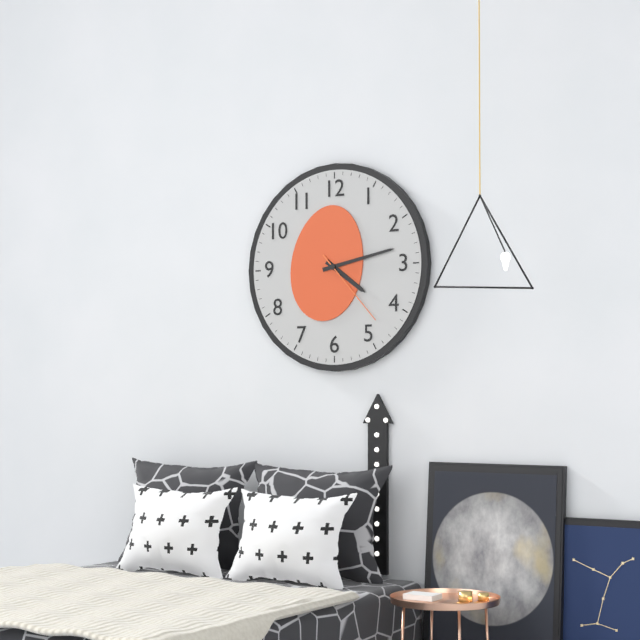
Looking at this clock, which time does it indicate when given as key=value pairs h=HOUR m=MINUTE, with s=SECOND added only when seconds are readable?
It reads h=4 m=13 s=23
